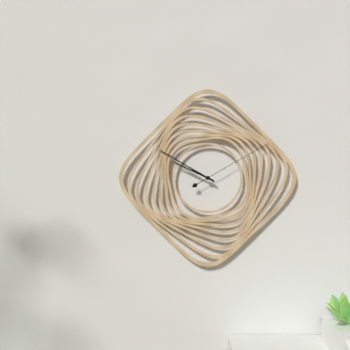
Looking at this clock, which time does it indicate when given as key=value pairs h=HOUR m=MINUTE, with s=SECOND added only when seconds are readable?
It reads h=9 m=50 s=10
